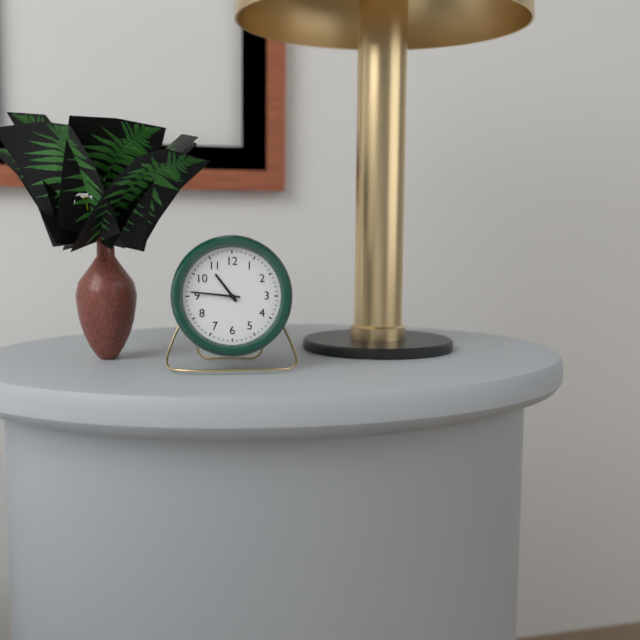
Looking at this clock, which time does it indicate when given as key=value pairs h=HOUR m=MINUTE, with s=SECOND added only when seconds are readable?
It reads h=10 m=46
